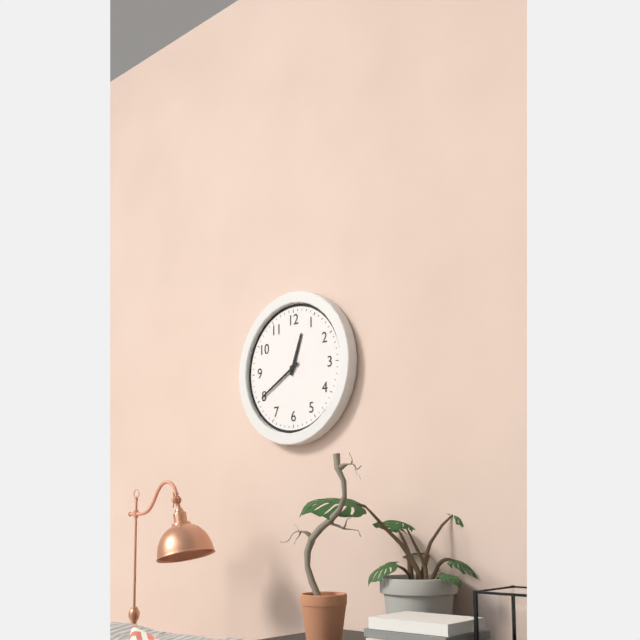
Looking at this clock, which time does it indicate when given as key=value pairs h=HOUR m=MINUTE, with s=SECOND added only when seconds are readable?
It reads h=12 m=40
